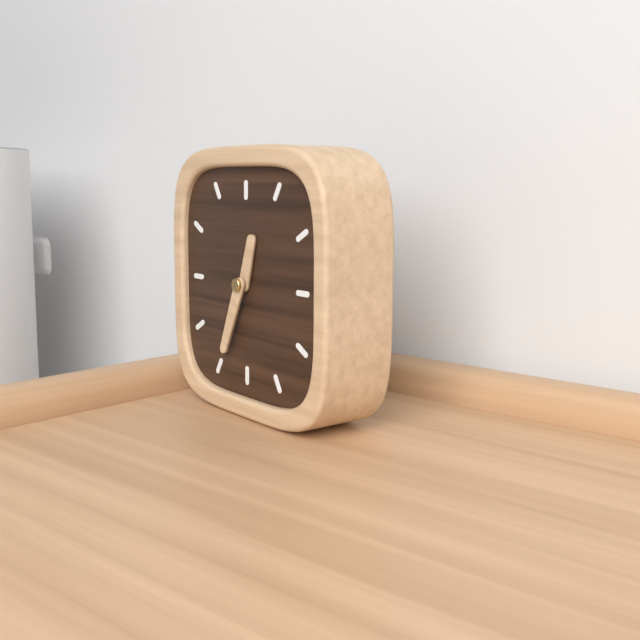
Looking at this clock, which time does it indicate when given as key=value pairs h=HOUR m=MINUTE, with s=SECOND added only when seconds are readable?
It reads h=12 m=34
